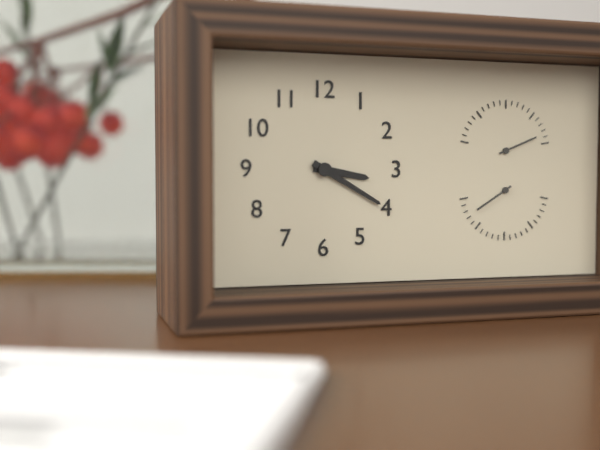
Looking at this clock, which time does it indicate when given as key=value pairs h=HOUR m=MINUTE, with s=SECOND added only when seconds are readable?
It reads h=3 m=20
